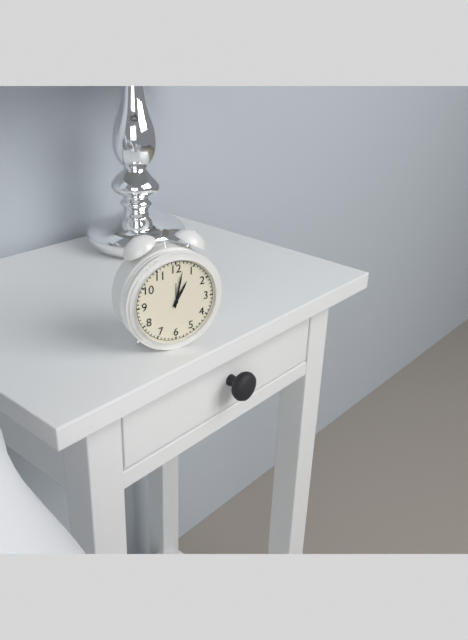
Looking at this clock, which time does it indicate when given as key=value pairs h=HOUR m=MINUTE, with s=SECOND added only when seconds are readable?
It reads h=1 m=2
